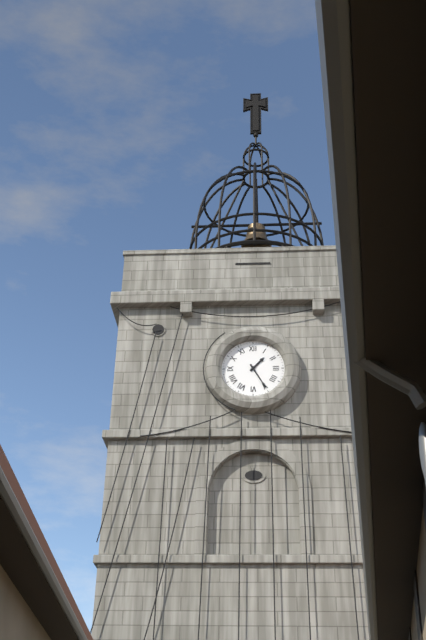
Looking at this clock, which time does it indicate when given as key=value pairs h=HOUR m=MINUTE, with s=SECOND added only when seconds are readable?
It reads h=1 m=25
